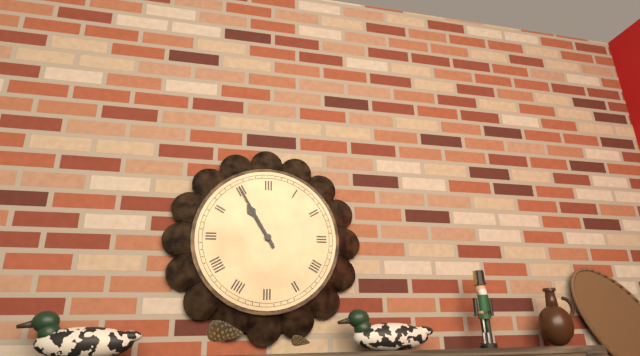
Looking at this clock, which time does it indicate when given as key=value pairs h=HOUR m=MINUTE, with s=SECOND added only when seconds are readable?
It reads h=10 m=55
